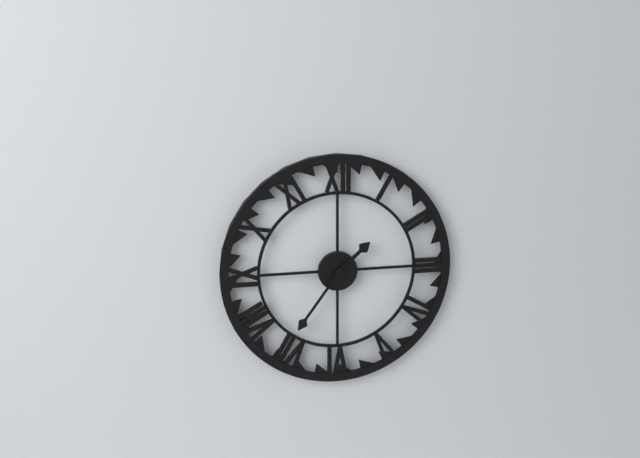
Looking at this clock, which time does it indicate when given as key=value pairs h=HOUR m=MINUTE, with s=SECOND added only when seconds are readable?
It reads h=1 m=36
